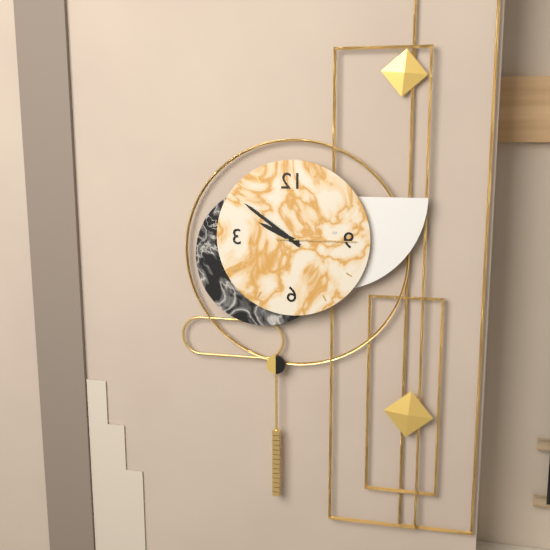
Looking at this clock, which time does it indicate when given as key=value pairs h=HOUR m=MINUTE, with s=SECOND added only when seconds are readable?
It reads h=9 m=51 s=15
